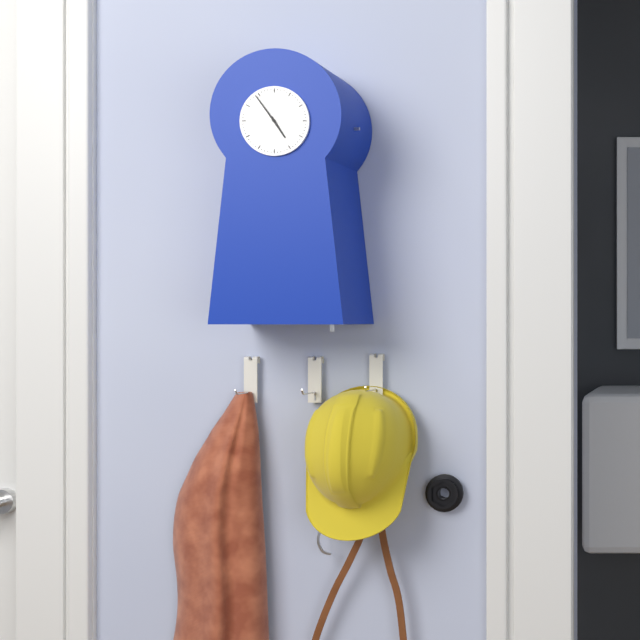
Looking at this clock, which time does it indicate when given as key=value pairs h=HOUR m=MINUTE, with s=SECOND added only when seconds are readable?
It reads h=4 m=54
